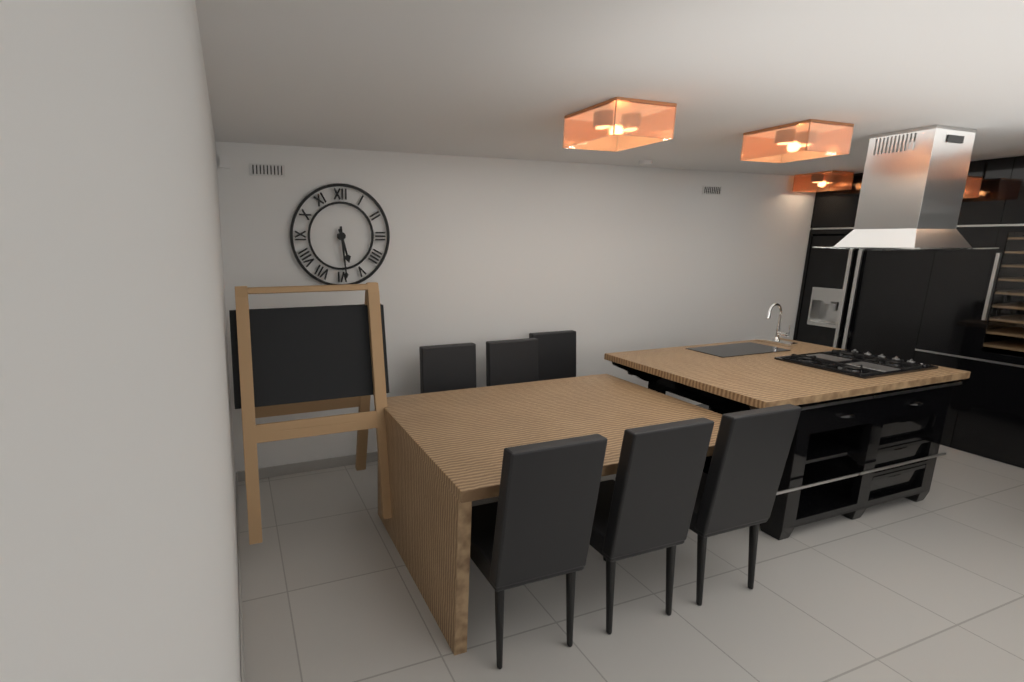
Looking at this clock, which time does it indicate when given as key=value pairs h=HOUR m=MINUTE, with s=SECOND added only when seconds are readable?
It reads h=5 m=29
